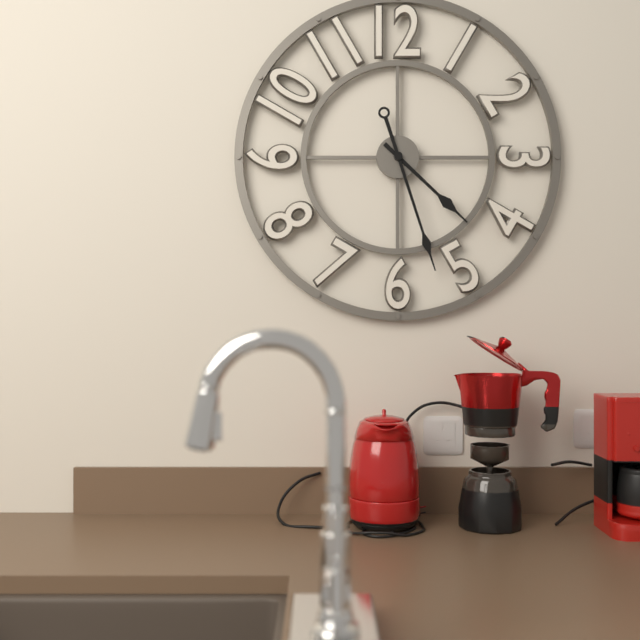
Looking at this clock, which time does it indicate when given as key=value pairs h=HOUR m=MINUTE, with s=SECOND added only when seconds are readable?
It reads h=4 m=27
